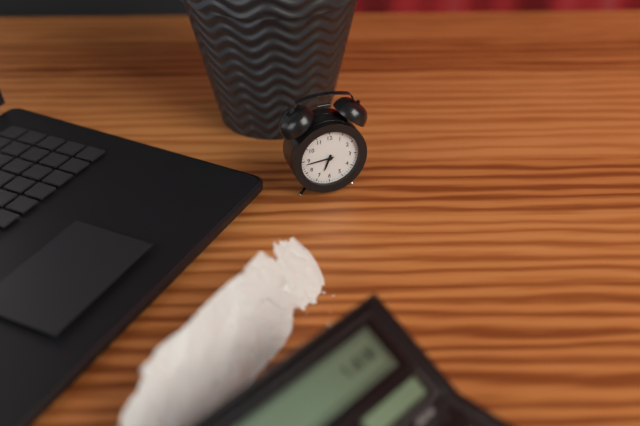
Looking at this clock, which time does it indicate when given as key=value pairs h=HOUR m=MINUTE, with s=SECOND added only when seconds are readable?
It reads h=6 m=44
